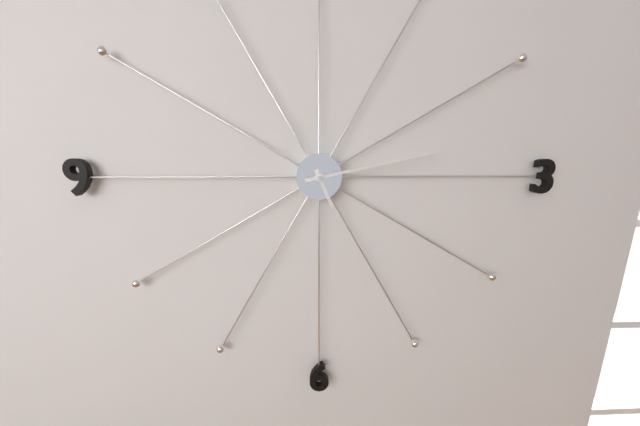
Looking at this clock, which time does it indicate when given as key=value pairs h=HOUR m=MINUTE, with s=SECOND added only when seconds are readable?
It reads h=5 m=13
